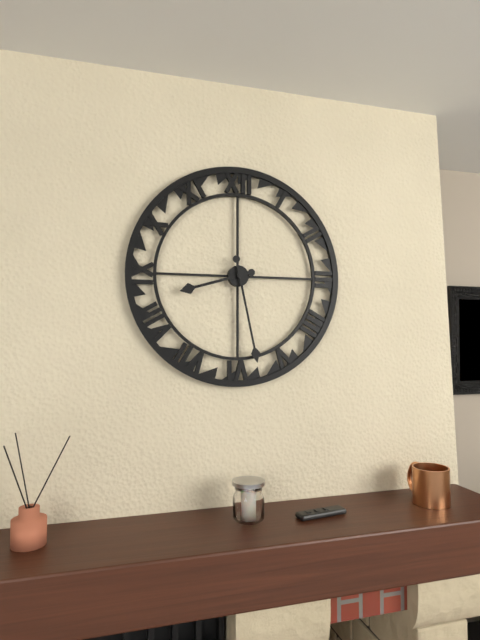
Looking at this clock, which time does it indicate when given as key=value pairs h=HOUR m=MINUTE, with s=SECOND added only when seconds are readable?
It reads h=8 m=28
